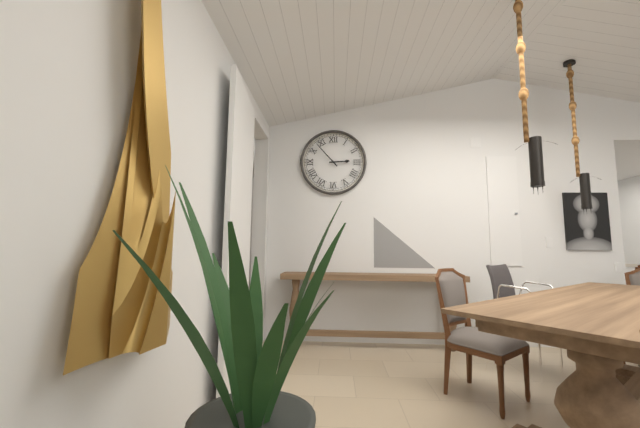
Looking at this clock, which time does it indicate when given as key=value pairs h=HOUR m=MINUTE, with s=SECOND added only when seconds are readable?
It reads h=2 m=53
